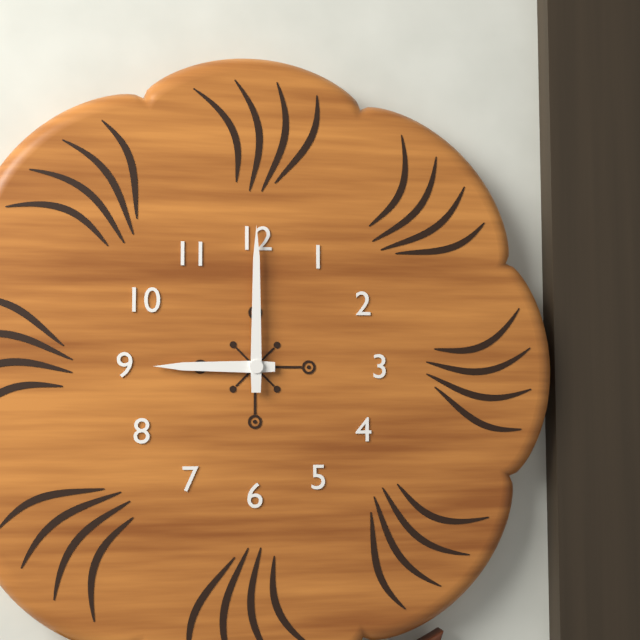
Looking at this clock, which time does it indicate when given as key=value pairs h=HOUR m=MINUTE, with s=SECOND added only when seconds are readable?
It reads h=9 m=0
